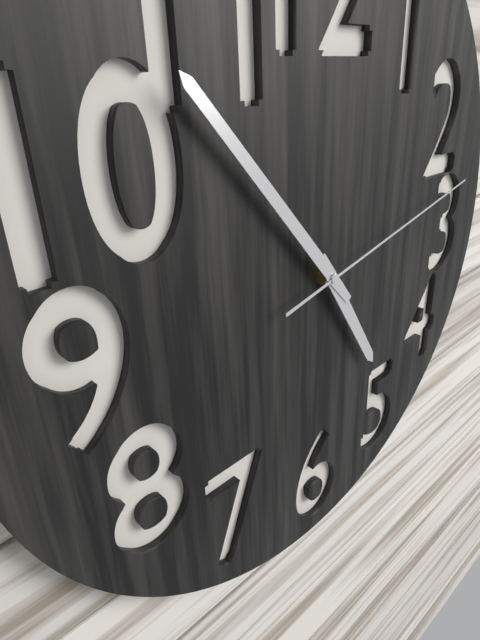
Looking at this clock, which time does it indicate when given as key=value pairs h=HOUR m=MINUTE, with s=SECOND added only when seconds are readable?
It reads h=4 m=53 s=13
